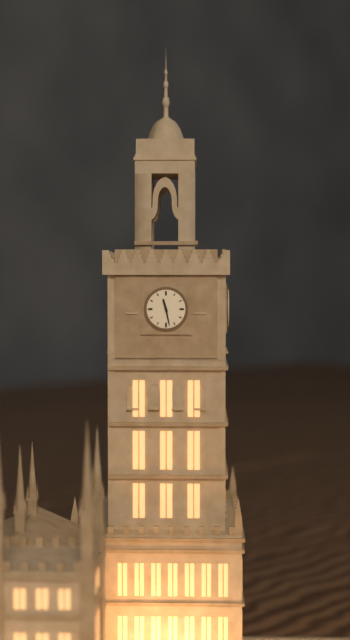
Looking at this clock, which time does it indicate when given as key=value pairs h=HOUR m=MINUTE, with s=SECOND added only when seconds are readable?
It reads h=11 m=28
